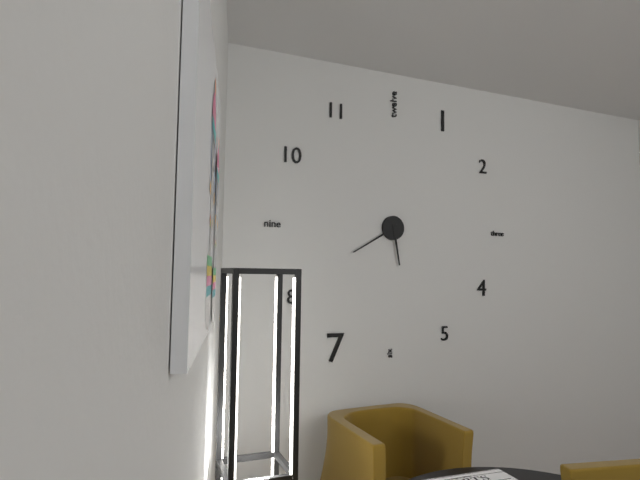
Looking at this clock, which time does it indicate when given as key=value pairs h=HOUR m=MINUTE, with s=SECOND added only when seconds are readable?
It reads h=5 m=40
